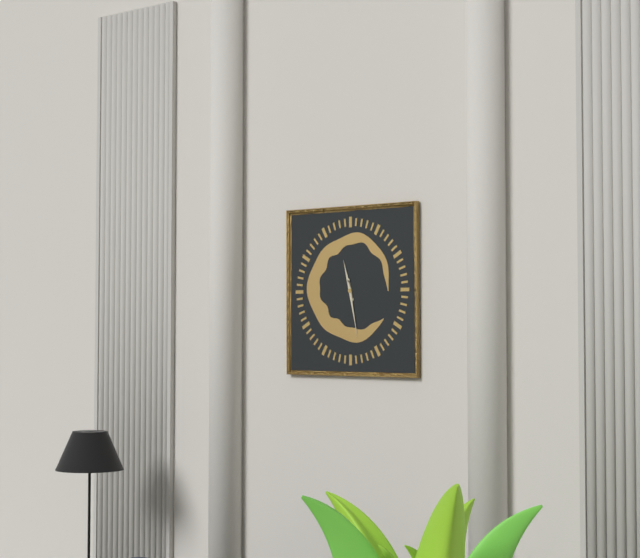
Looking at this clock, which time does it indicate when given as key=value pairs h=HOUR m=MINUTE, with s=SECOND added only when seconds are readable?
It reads h=11 m=28
